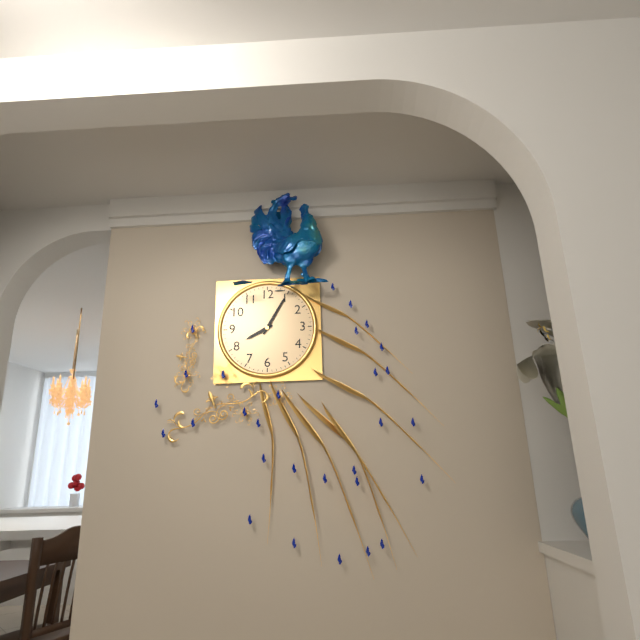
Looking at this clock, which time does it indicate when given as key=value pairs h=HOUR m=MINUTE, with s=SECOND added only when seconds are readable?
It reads h=8 m=5
